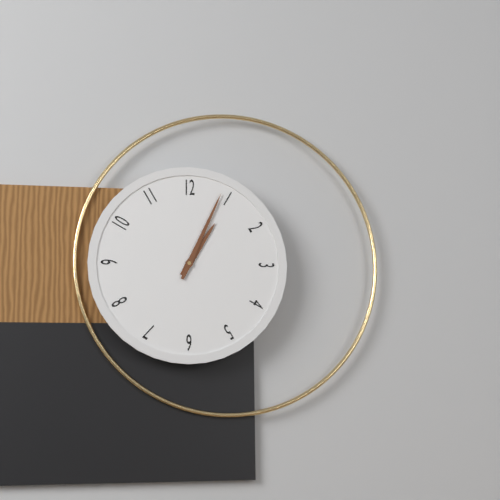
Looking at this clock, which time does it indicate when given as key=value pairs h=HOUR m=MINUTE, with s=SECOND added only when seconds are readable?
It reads h=1 m=4
